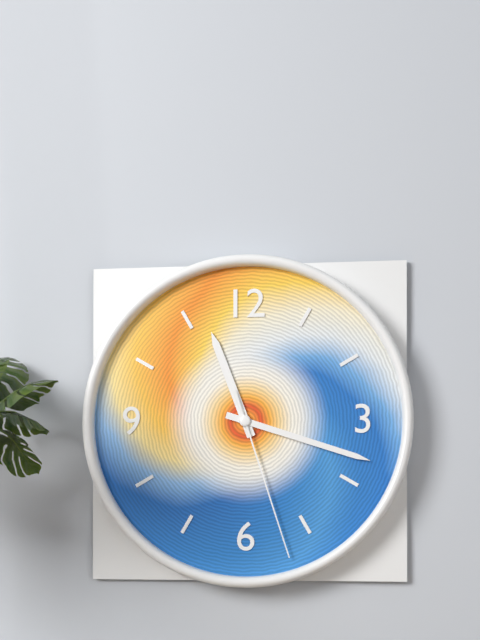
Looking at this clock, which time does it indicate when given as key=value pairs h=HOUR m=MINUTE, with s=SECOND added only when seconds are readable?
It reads h=11 m=18 s=27
